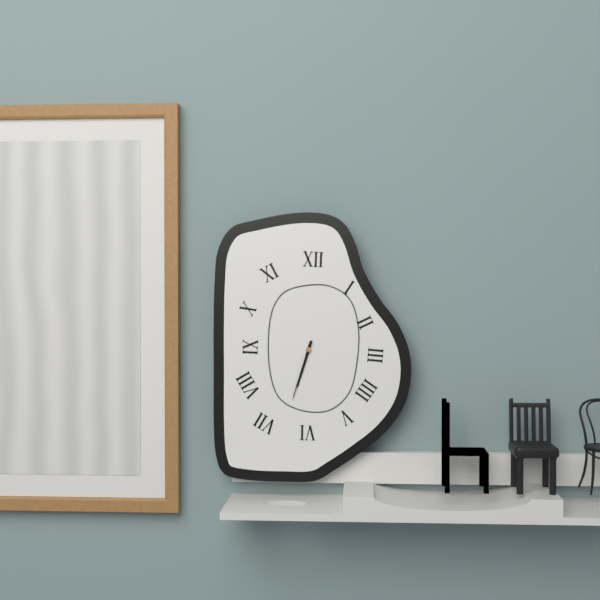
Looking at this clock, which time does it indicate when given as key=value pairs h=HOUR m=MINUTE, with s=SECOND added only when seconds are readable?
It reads h=6 m=33
